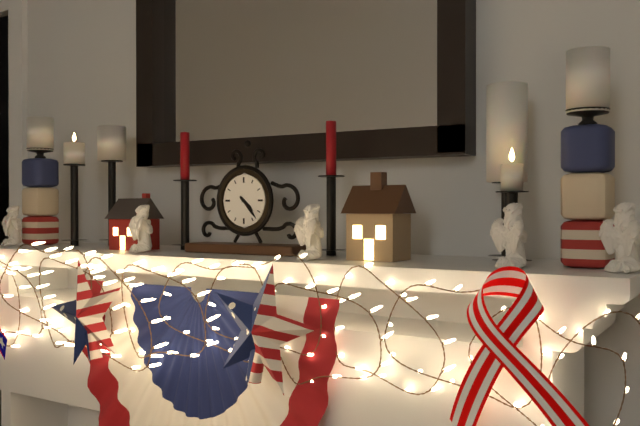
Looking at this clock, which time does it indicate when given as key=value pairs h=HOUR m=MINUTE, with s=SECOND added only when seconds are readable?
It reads h=4 m=23
